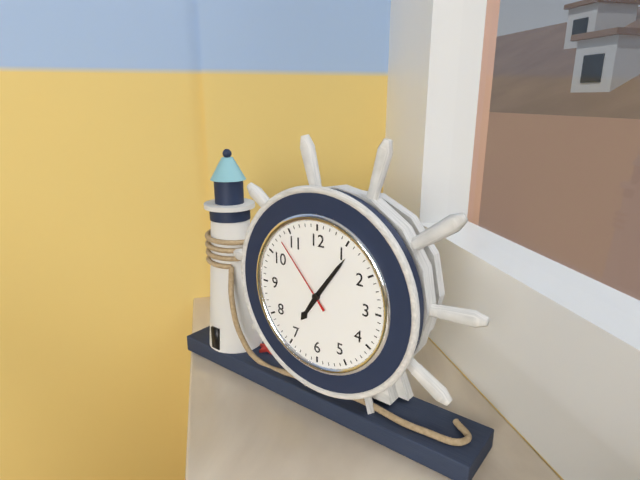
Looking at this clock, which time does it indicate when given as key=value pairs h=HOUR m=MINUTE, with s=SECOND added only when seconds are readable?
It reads h=7 m=6 s=53
